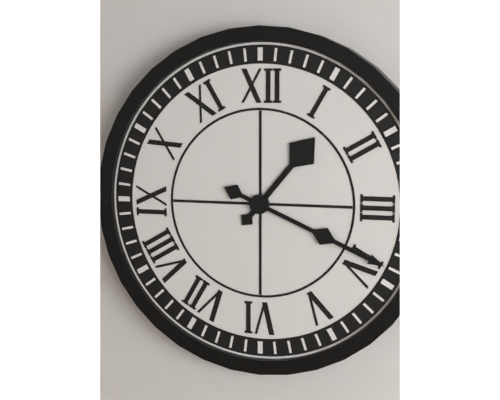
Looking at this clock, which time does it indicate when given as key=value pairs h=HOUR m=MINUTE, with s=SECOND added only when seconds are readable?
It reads h=1 m=19
